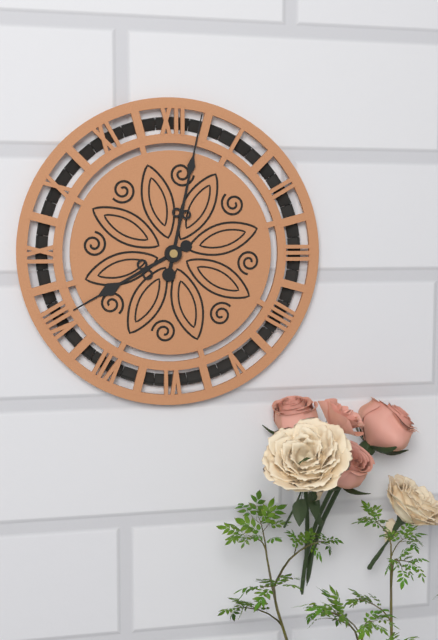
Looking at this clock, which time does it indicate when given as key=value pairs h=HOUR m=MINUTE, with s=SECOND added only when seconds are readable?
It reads h=8 m=2
